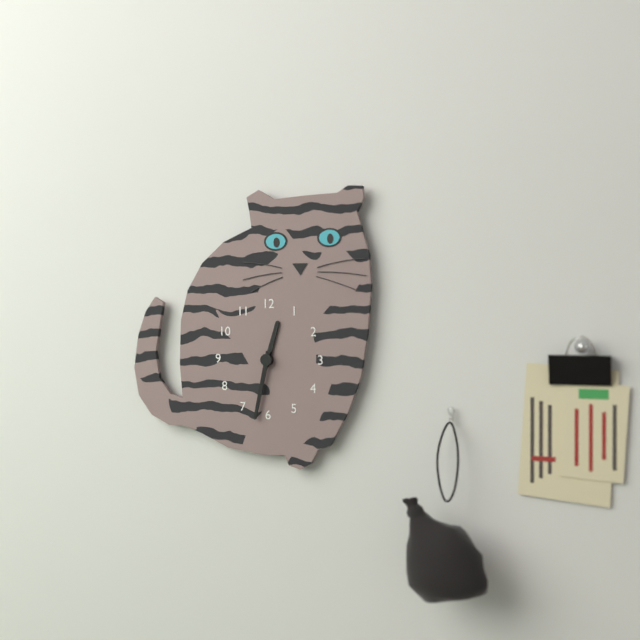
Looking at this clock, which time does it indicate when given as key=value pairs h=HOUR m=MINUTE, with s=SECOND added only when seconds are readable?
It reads h=12 m=32
